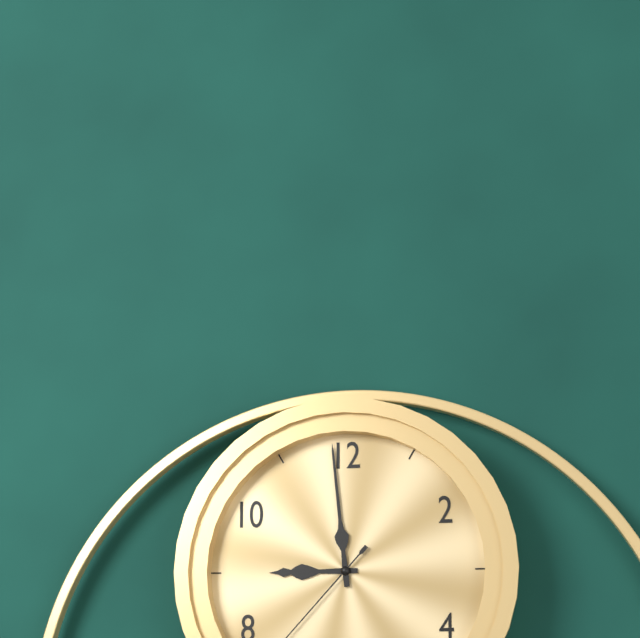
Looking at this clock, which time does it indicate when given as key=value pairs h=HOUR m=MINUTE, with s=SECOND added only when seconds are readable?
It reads h=8 m=59
